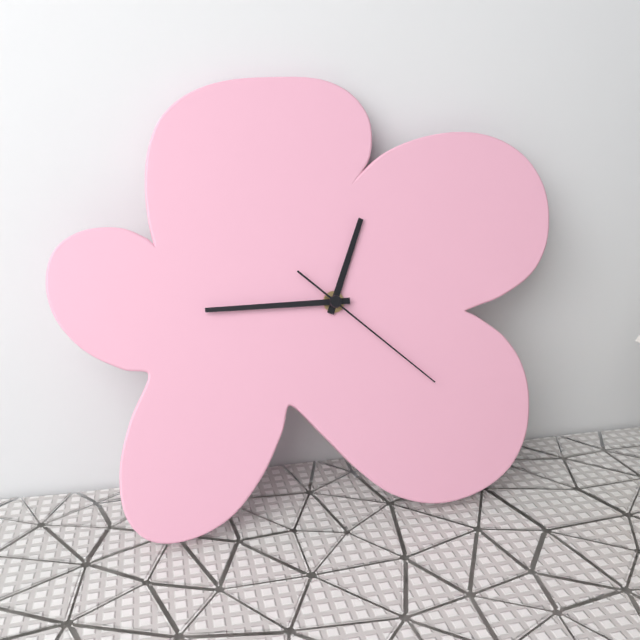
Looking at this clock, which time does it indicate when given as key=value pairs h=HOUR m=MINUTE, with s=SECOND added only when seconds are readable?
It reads h=12 m=45 s=22
